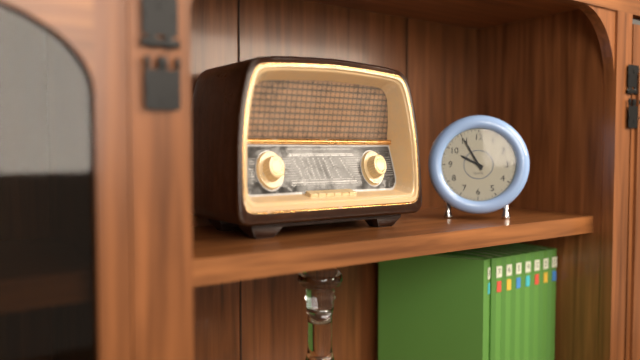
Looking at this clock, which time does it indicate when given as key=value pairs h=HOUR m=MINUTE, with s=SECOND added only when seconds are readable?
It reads h=9 m=55
